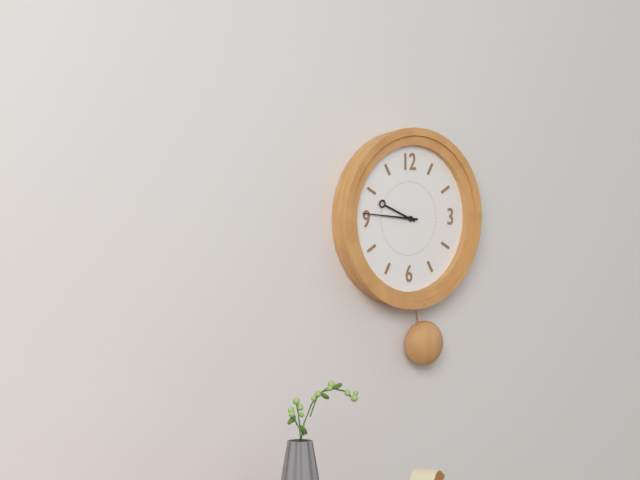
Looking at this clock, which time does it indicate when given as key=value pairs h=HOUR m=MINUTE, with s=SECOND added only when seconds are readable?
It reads h=9 m=46
